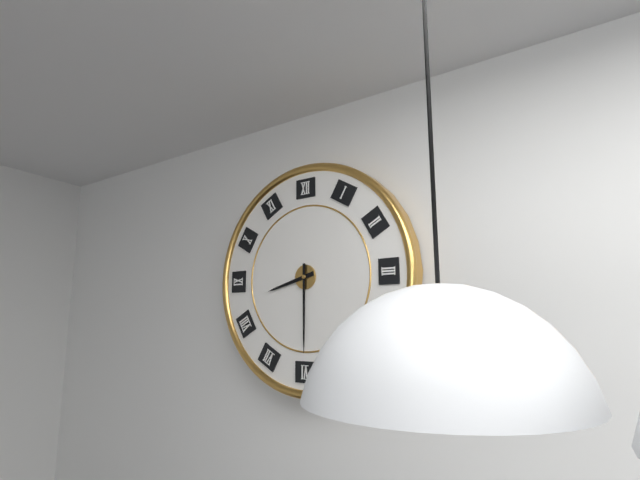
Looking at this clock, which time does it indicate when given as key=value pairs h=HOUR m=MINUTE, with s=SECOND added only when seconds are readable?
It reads h=8 m=30
